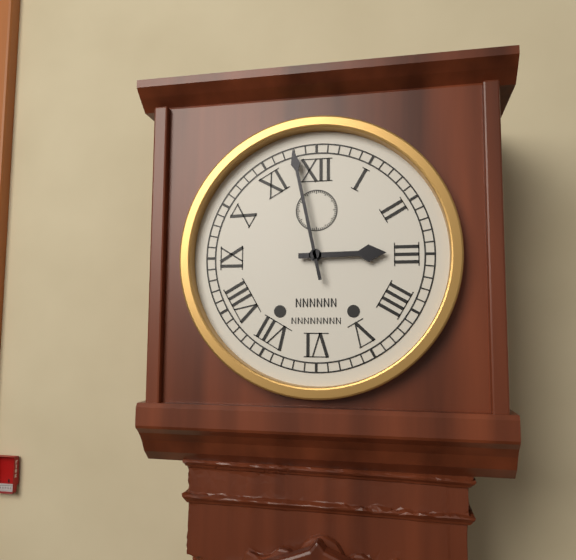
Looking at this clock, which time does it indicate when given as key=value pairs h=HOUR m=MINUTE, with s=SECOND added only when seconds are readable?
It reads h=2 m=58
